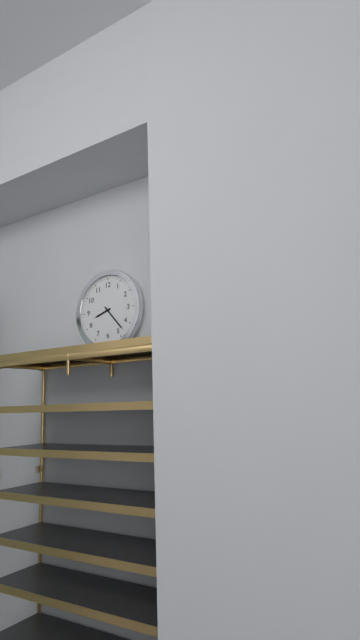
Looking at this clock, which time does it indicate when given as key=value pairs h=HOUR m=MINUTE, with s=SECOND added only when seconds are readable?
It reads h=8 m=23
